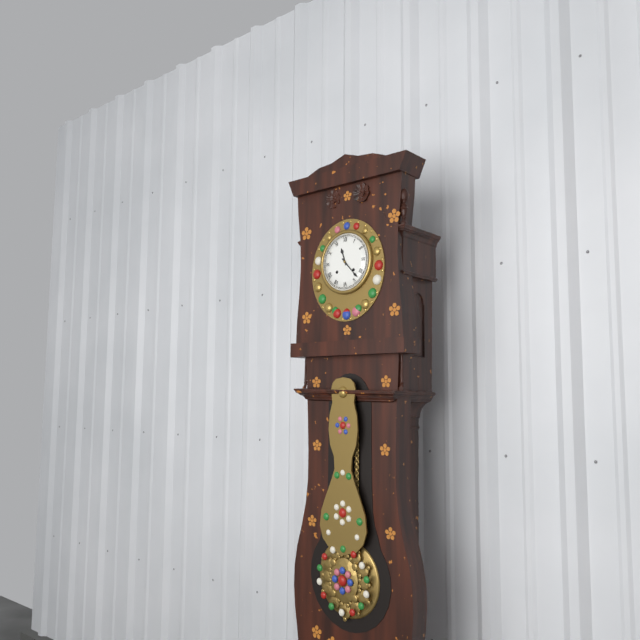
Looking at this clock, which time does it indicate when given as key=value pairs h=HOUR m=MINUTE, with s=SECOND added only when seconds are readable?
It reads h=11 m=23
